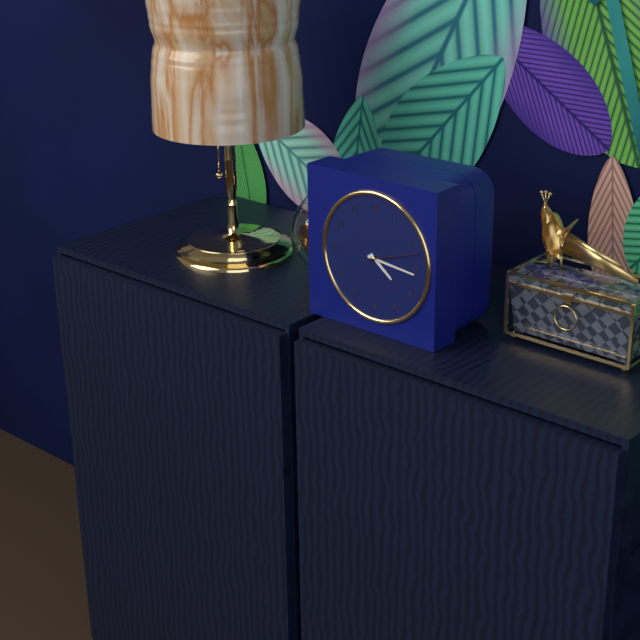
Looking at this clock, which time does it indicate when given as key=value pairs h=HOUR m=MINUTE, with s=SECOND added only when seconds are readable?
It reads h=4 m=16 s=12
